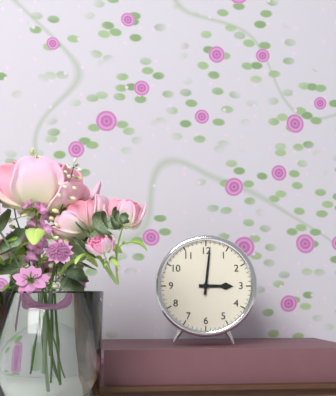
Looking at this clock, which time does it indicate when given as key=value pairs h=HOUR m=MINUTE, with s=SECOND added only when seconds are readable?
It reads h=3 m=1
